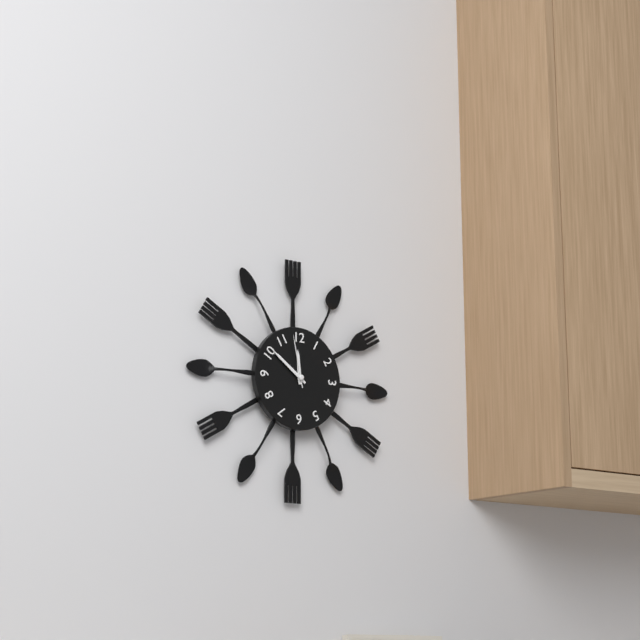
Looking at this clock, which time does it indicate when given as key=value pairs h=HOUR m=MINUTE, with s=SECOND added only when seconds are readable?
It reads h=11 m=51 s=58
